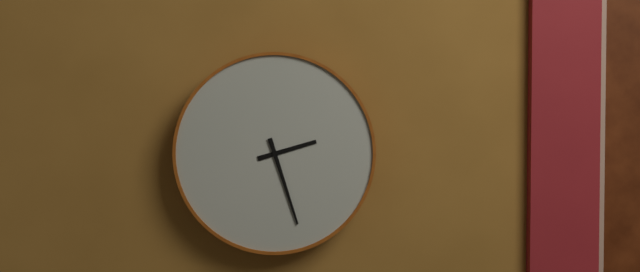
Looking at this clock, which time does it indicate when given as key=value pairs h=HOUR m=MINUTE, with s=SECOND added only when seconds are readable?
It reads h=2 m=27
